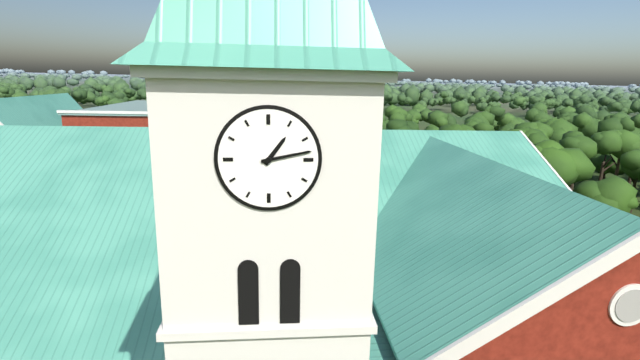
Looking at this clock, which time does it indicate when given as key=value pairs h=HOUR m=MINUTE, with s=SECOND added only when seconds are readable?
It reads h=1 m=13
